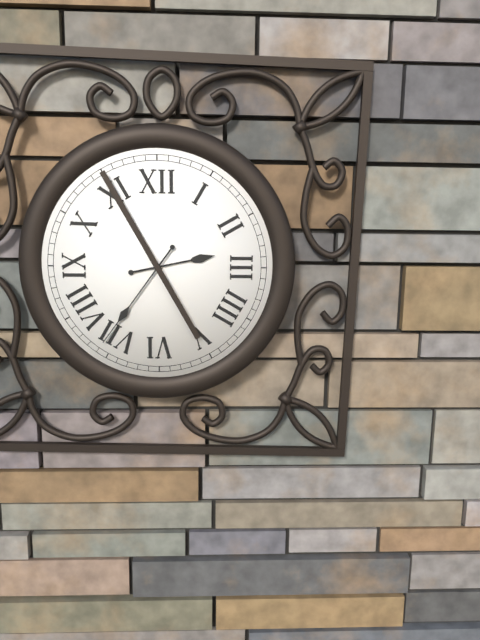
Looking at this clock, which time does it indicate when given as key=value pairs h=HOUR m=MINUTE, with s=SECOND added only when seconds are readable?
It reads h=2 m=36
